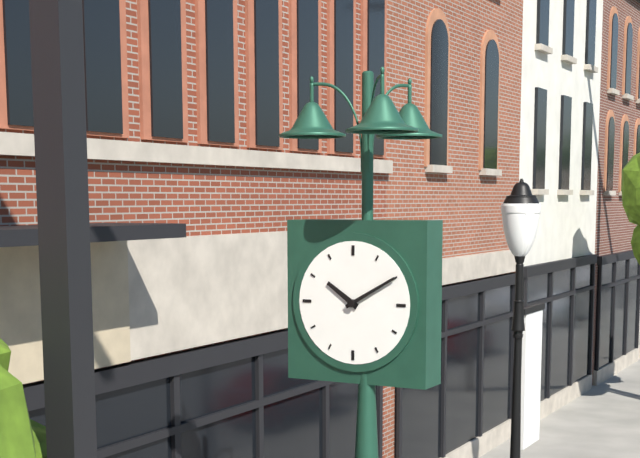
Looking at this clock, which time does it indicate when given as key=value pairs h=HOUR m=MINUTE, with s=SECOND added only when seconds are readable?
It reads h=10 m=10
